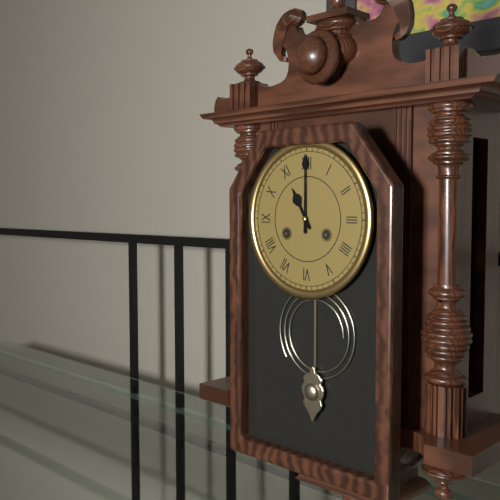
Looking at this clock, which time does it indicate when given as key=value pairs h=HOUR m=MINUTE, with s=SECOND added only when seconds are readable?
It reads h=11 m=0
